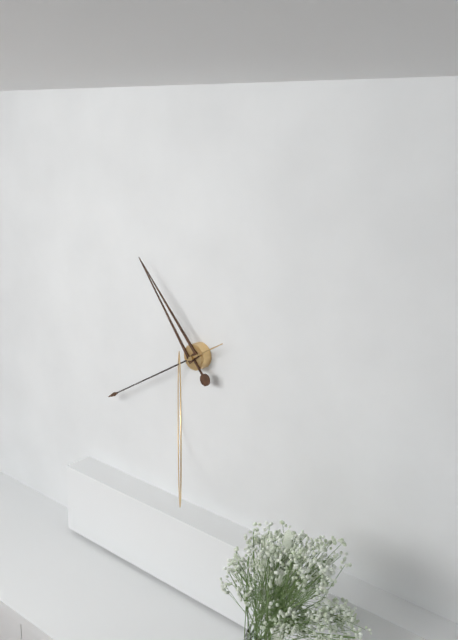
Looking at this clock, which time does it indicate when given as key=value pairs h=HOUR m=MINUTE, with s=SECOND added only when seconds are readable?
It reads h=10 m=40
